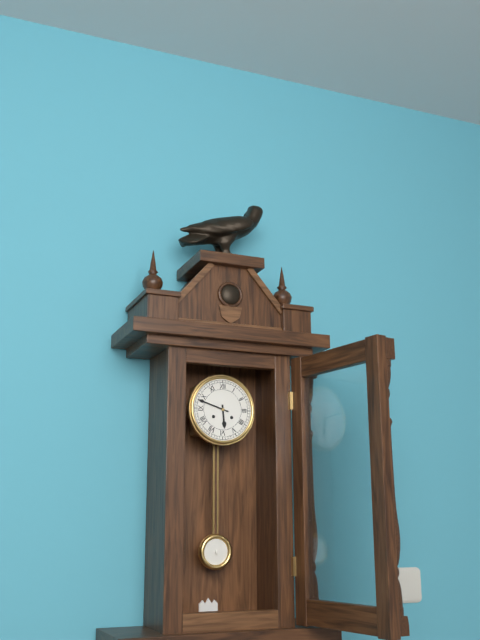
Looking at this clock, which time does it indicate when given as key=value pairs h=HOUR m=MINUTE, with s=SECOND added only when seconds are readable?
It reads h=5 m=48
